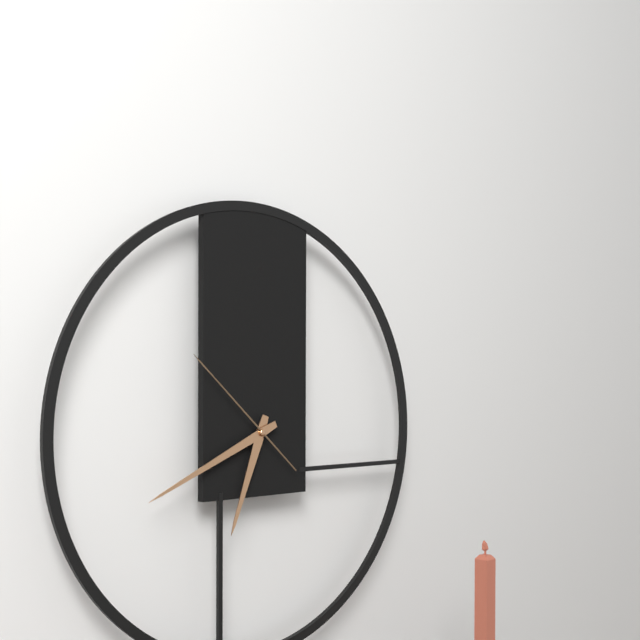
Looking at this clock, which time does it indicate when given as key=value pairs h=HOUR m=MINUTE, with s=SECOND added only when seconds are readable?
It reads h=6 m=41 s=52
